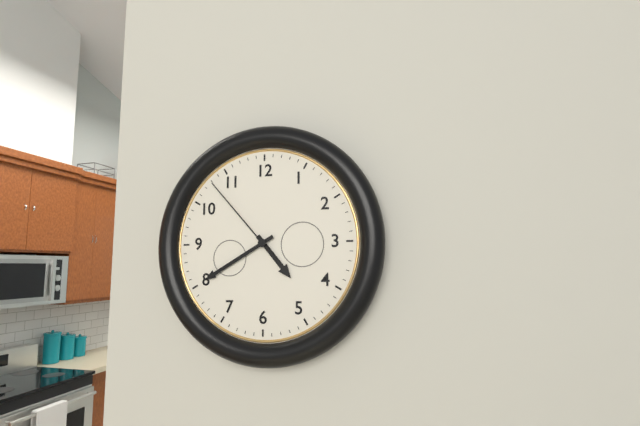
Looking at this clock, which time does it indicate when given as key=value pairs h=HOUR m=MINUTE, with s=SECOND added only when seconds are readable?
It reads h=4 m=40 s=53
